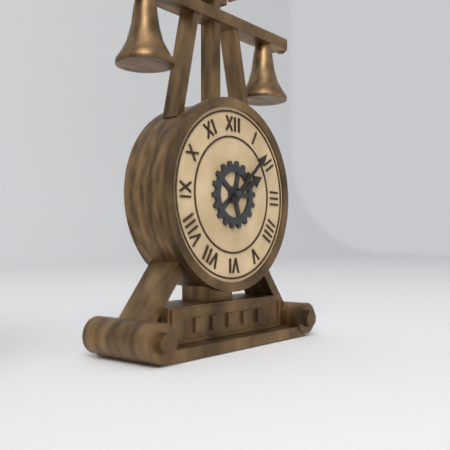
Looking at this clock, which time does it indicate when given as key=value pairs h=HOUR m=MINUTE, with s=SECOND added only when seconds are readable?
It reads h=2 m=8
